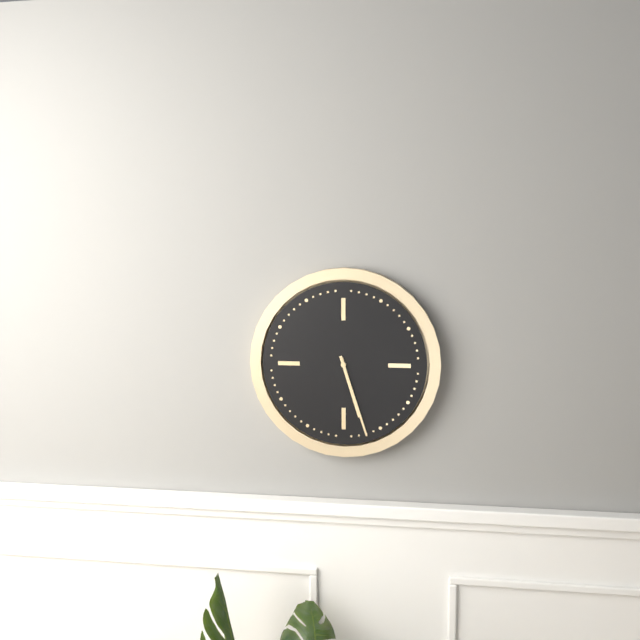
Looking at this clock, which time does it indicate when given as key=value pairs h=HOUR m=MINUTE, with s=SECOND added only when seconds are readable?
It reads h=5 m=27
